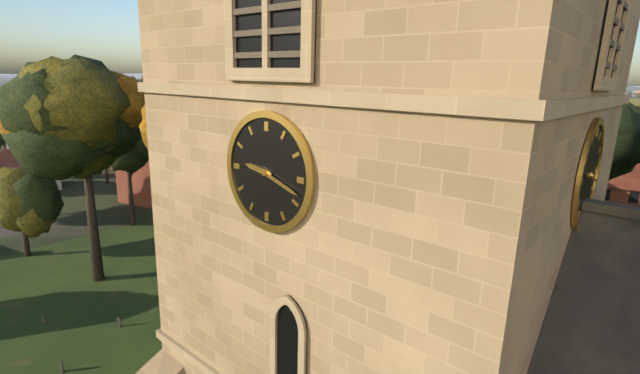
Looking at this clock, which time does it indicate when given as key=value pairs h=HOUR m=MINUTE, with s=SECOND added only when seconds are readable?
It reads h=9 m=18
